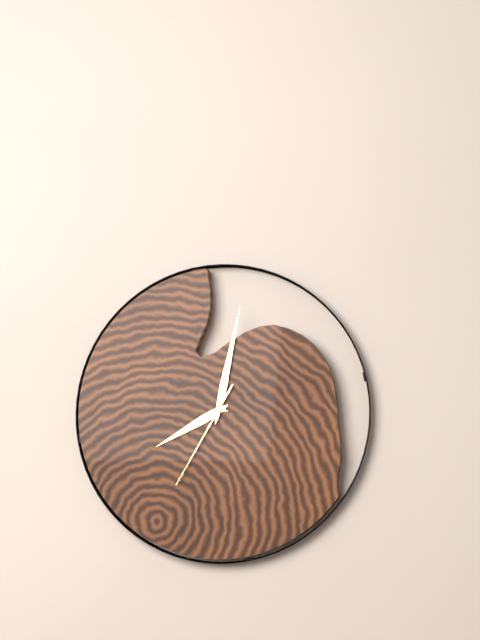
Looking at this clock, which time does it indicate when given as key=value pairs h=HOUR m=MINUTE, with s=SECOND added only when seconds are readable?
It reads h=8 m=2 s=35
